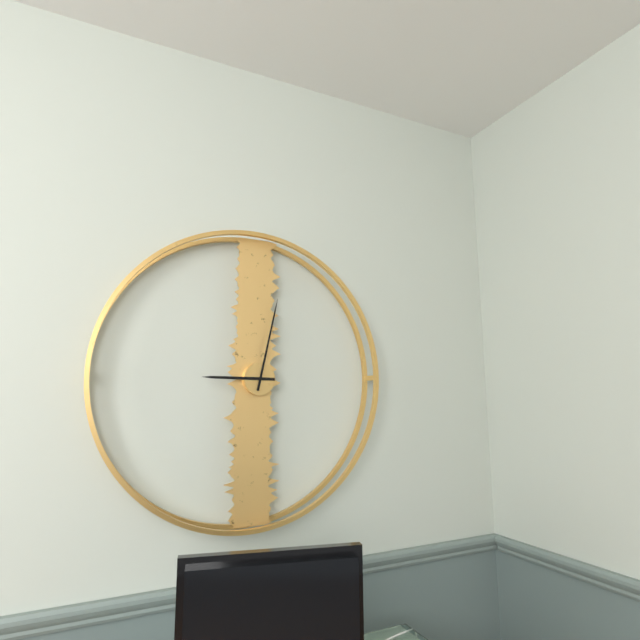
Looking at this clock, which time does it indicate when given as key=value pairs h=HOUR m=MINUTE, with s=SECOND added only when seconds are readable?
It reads h=9 m=2
